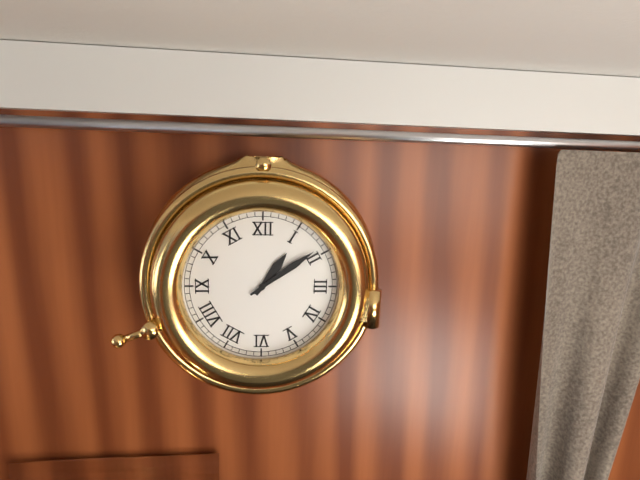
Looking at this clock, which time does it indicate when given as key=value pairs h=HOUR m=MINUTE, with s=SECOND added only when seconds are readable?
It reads h=1 m=9
